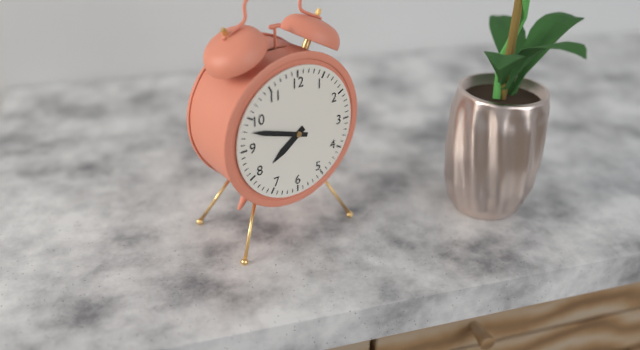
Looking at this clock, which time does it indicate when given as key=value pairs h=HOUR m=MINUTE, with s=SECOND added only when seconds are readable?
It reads h=7 m=48
